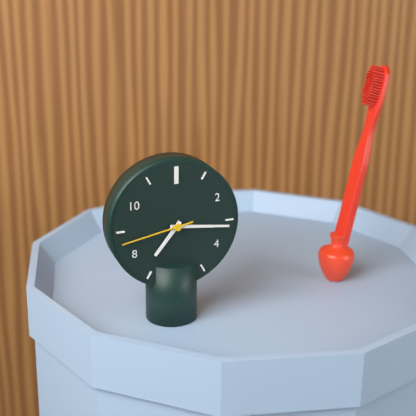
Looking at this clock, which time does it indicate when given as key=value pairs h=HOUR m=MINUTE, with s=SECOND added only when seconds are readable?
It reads h=7 m=16 s=43
